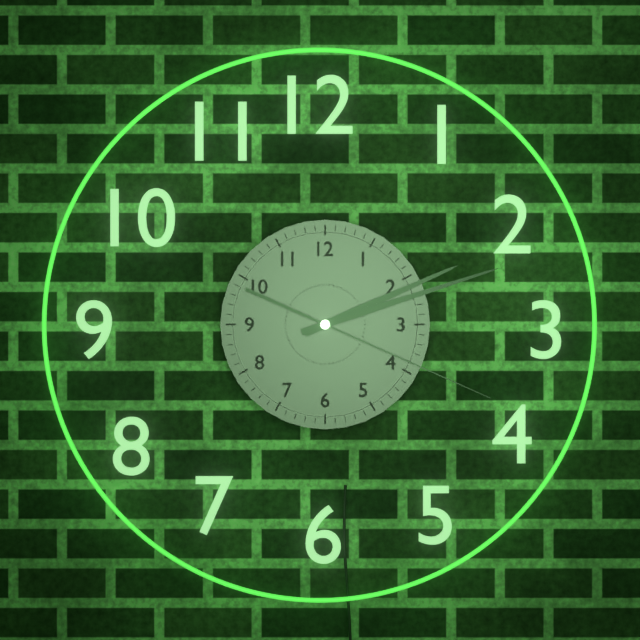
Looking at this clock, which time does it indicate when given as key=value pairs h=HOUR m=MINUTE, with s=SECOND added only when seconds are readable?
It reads h=2 m=12 s=19
